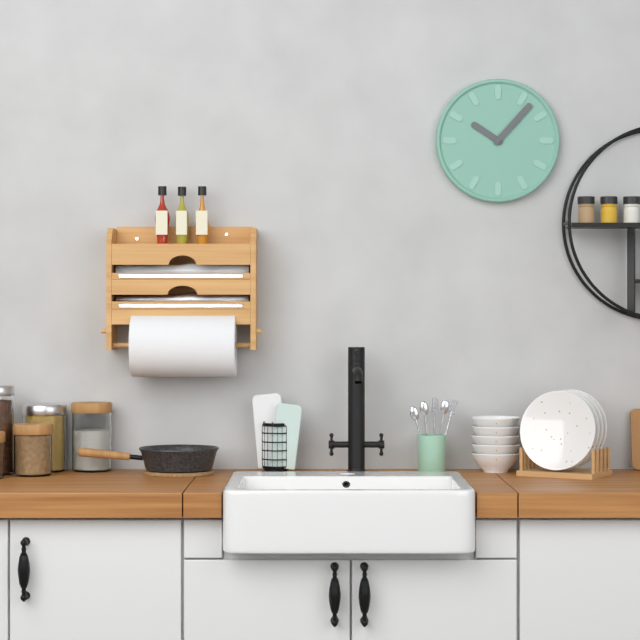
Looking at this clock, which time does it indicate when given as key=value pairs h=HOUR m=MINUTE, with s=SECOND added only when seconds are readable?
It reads h=10 m=7
